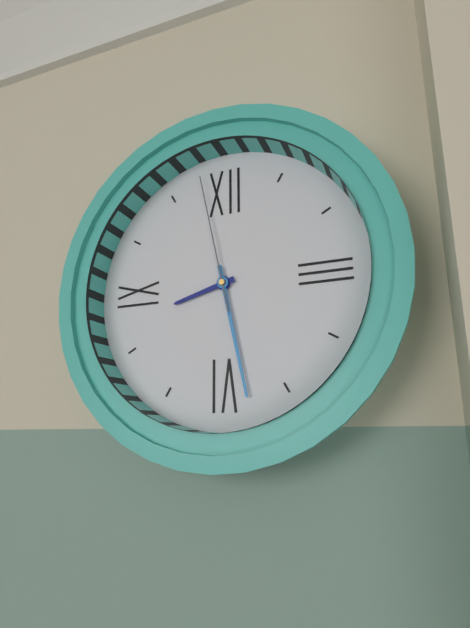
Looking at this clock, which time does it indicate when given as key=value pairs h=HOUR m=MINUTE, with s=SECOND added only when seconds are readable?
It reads h=8 m=28 s=58
